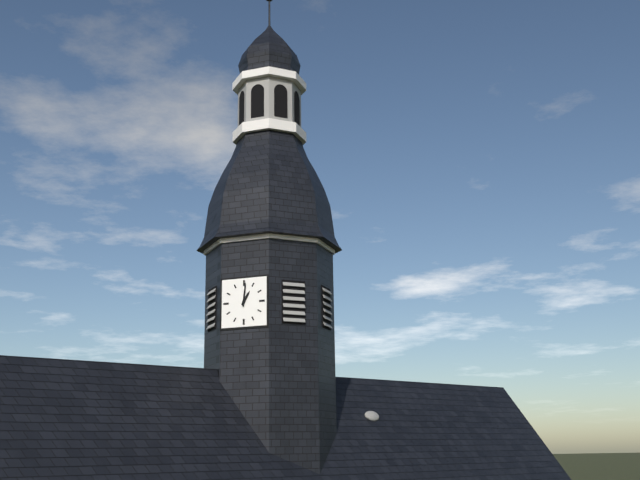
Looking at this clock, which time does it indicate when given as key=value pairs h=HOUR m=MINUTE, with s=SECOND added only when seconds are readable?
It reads h=1 m=1
